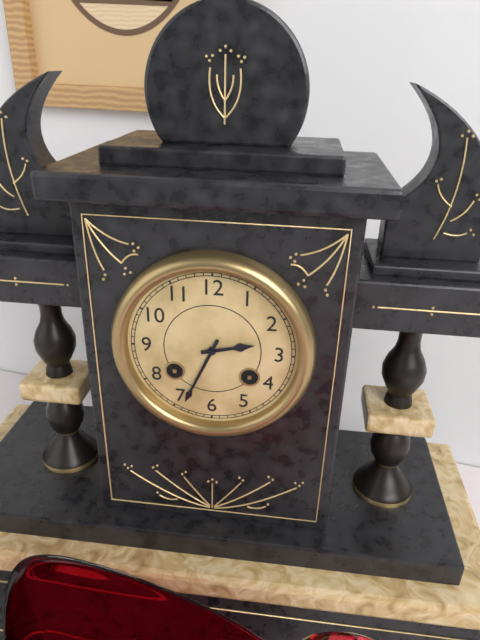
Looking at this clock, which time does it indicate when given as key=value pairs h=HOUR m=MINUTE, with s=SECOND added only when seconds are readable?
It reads h=2 m=34
